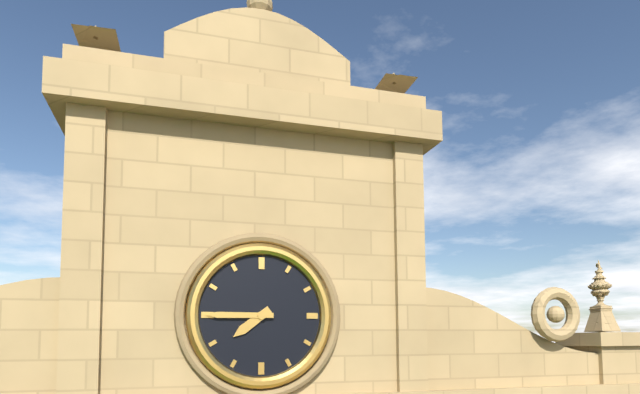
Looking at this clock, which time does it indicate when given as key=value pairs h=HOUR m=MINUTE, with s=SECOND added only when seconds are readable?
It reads h=7 m=45
